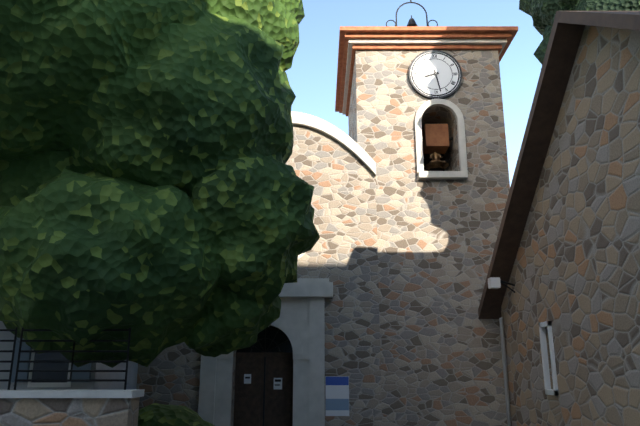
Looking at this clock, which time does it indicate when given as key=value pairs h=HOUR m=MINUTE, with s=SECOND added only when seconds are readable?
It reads h=8 m=28
